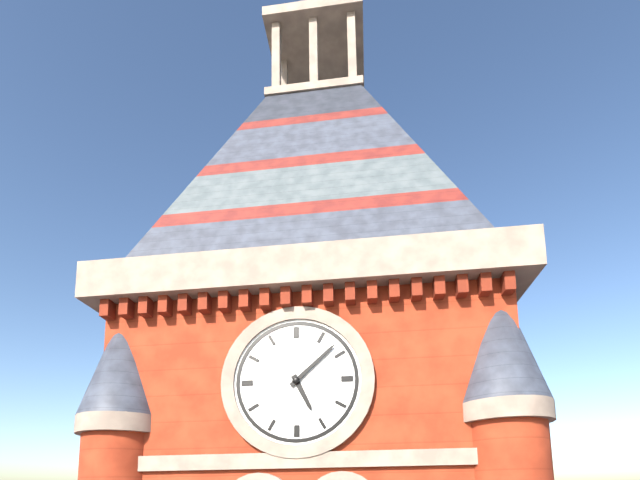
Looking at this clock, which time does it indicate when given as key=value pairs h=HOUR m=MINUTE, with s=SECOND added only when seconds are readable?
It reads h=5 m=8
